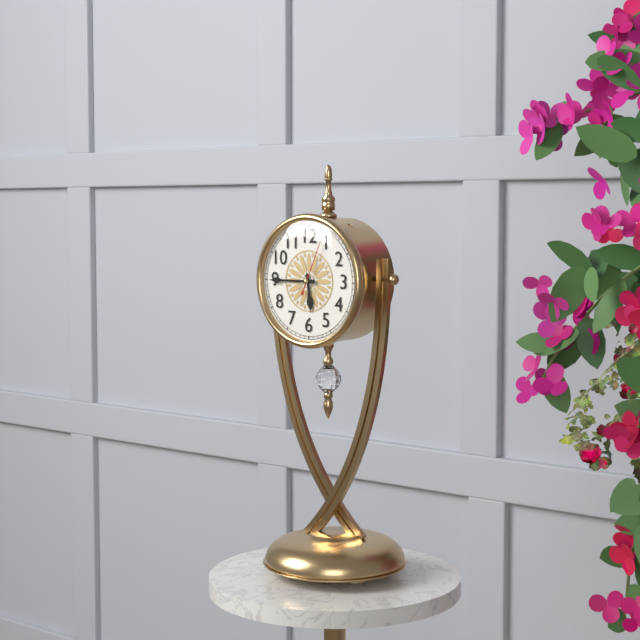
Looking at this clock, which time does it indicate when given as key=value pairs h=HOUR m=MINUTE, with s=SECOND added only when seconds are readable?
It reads h=5 m=45 s=4
